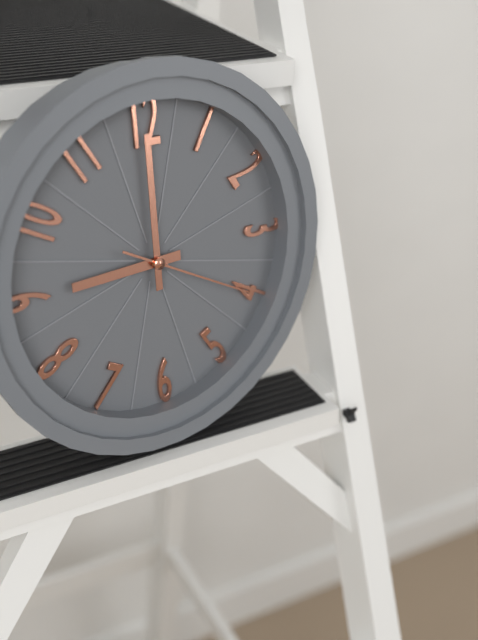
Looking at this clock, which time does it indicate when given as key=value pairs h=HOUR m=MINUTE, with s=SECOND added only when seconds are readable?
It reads h=9 m=0 s=20
